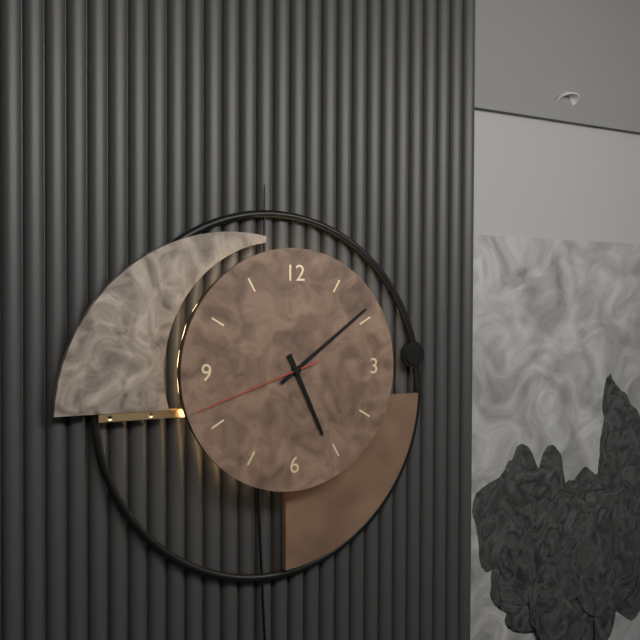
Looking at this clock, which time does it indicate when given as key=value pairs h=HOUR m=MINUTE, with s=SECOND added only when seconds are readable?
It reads h=5 m=9 s=42
